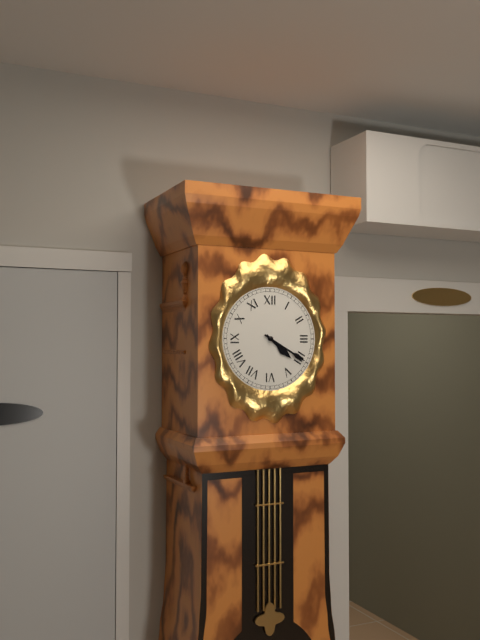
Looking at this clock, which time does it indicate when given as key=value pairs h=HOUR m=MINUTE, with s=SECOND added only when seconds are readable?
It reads h=4 m=20
